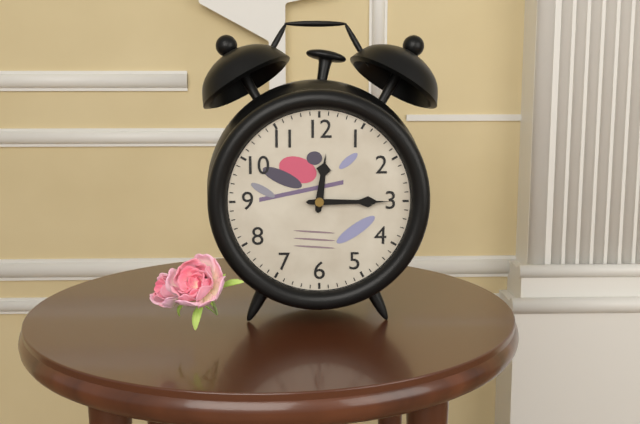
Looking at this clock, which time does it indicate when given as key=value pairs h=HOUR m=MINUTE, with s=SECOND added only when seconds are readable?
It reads h=12 m=15
